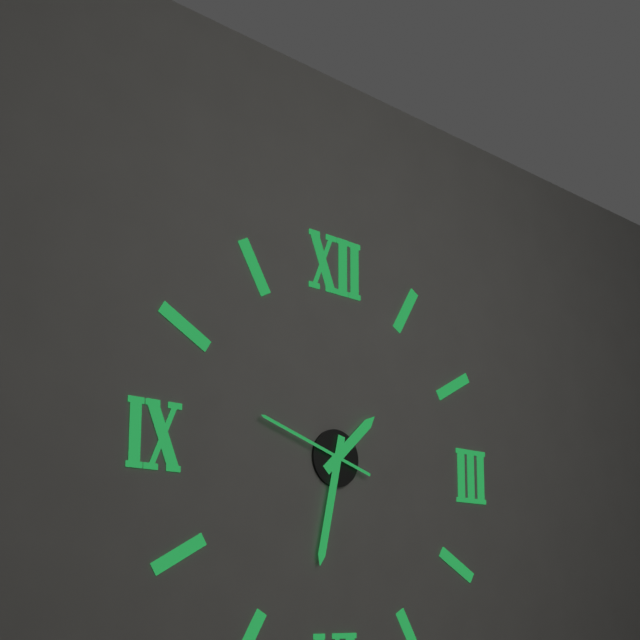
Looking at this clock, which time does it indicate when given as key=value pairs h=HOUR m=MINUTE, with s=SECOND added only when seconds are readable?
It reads h=1 m=32 s=48
